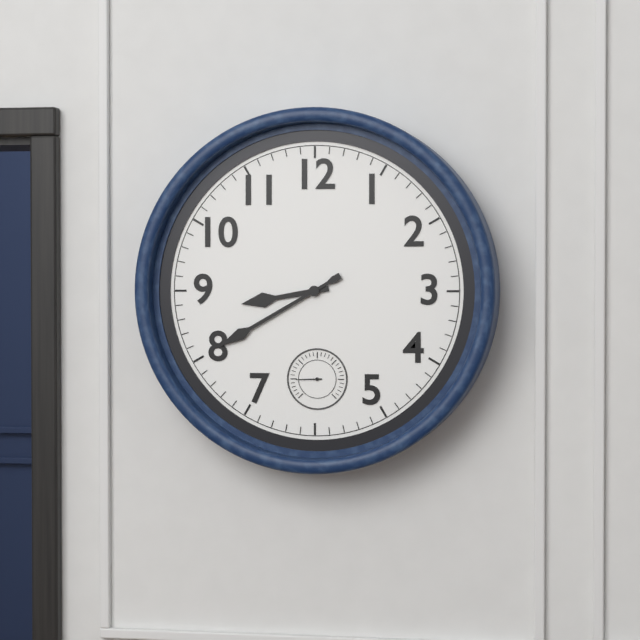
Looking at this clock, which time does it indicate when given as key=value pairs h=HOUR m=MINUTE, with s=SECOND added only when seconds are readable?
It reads h=8 m=40
